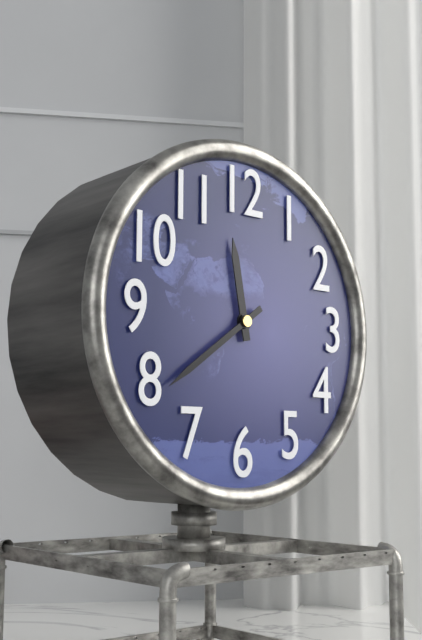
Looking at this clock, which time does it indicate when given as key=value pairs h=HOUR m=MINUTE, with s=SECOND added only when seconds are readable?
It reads h=11 m=39
